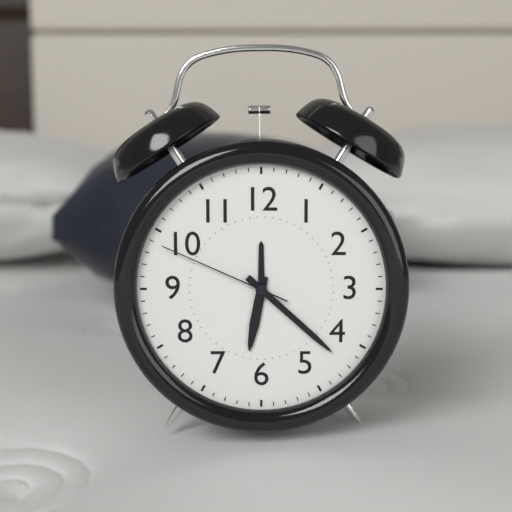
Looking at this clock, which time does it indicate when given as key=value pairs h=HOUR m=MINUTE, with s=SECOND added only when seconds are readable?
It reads h=6 m=22 s=49
